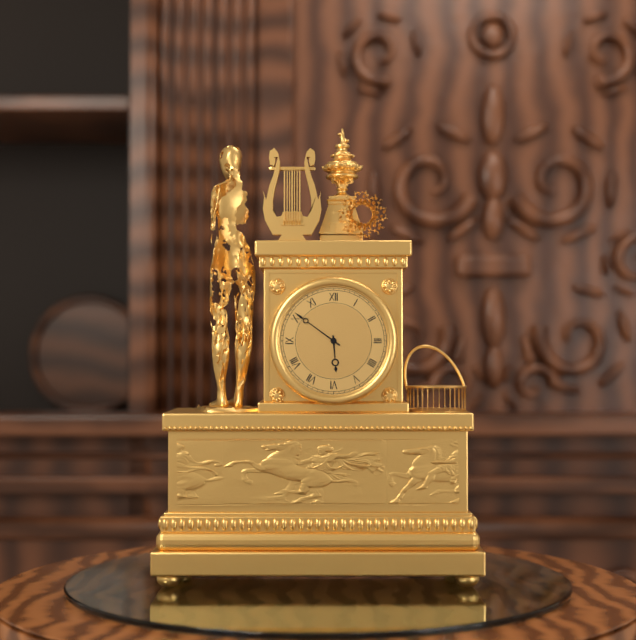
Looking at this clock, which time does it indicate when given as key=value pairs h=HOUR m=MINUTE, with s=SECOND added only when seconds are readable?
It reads h=5 m=51
